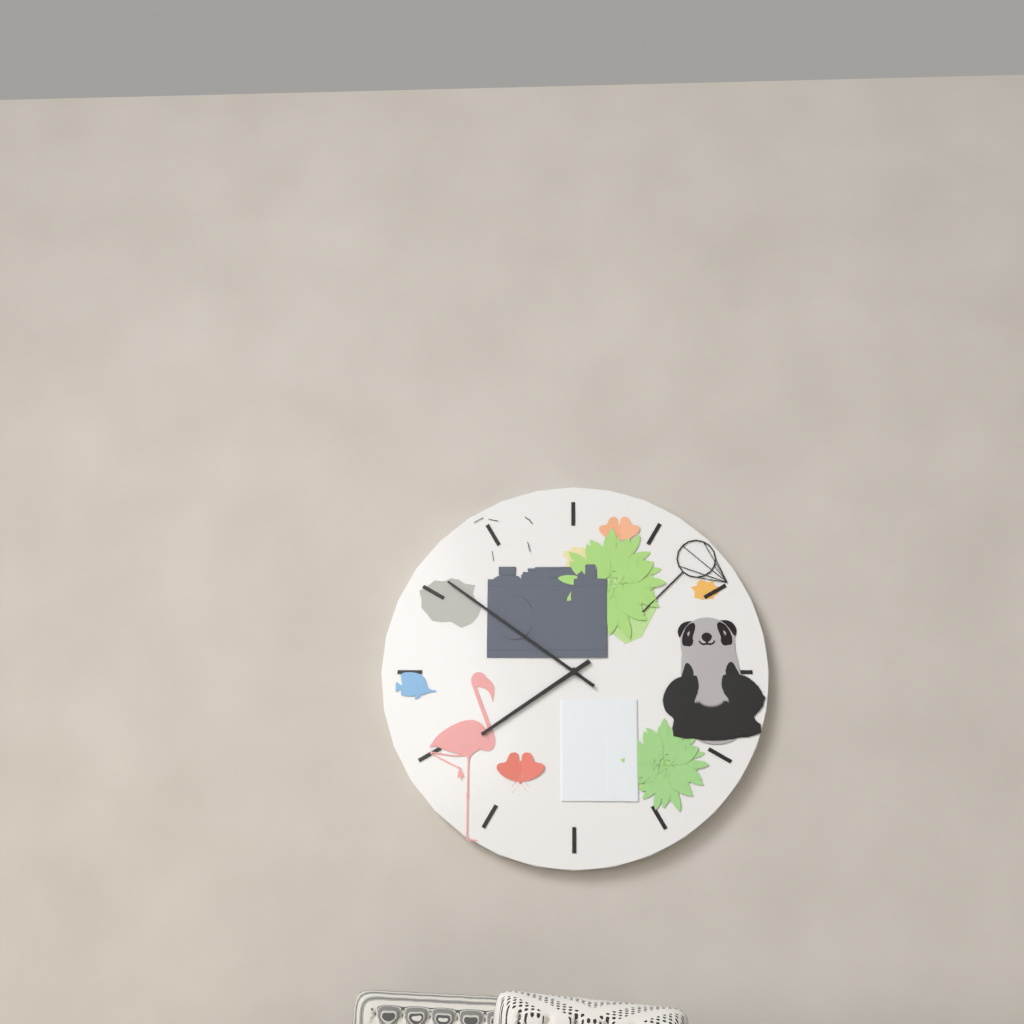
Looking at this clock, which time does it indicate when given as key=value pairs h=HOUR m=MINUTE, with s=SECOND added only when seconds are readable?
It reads h=7 m=51
